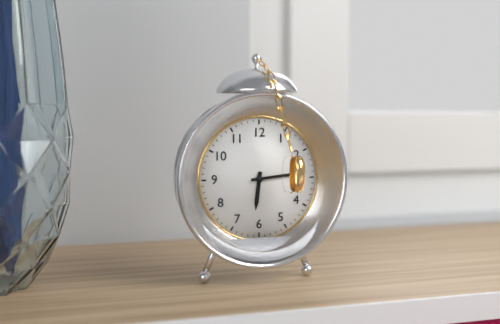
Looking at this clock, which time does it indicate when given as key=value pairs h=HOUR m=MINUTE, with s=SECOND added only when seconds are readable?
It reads h=6 m=14
